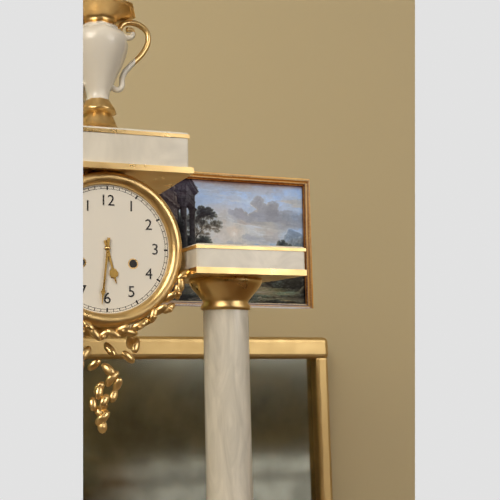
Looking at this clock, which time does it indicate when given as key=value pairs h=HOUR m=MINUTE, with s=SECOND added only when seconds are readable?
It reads h=5 m=31
